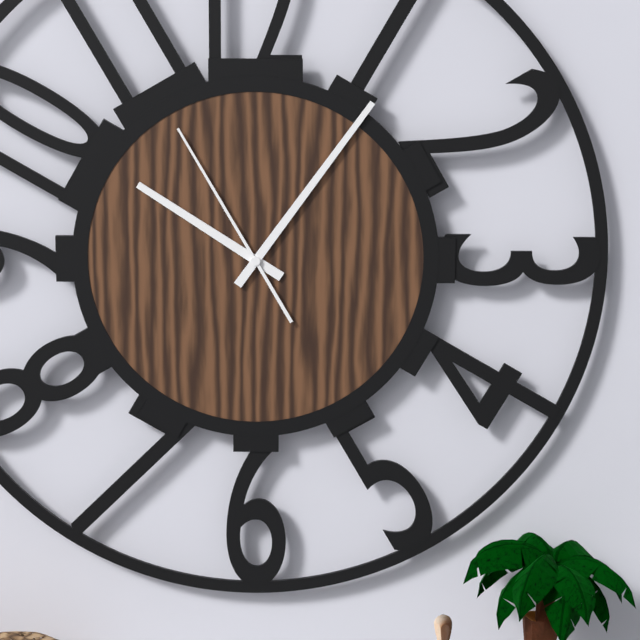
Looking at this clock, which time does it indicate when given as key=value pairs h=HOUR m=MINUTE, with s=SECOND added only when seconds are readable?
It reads h=10 m=6 s=55
